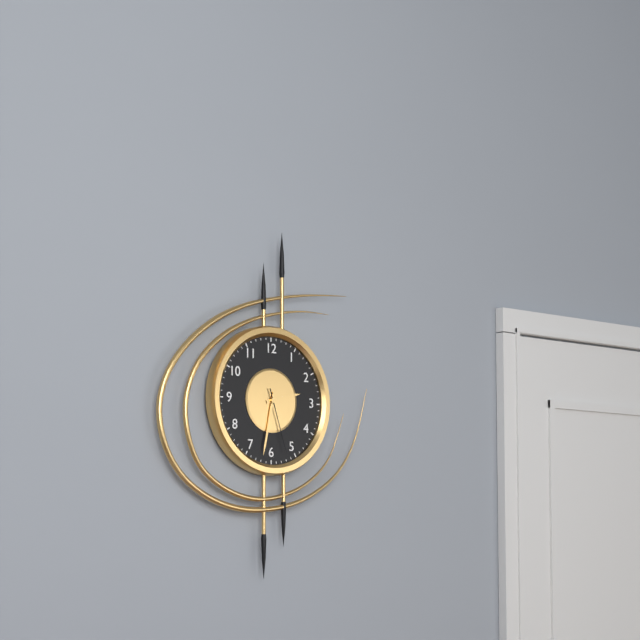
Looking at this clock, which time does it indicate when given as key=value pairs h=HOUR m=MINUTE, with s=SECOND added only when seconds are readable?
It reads h=2 m=32 s=27
